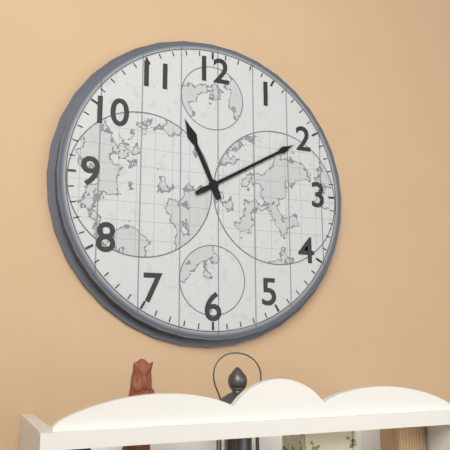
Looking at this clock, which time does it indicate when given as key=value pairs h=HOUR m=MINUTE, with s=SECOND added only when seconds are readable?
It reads h=11 m=10
